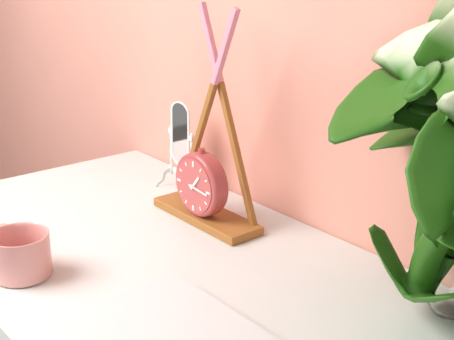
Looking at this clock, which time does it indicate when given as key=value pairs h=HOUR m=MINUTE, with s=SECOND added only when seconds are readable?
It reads h=1 m=16
